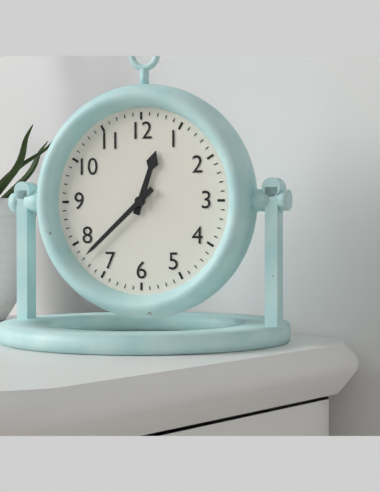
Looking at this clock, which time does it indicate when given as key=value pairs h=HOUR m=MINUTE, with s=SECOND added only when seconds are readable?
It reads h=12 m=38
